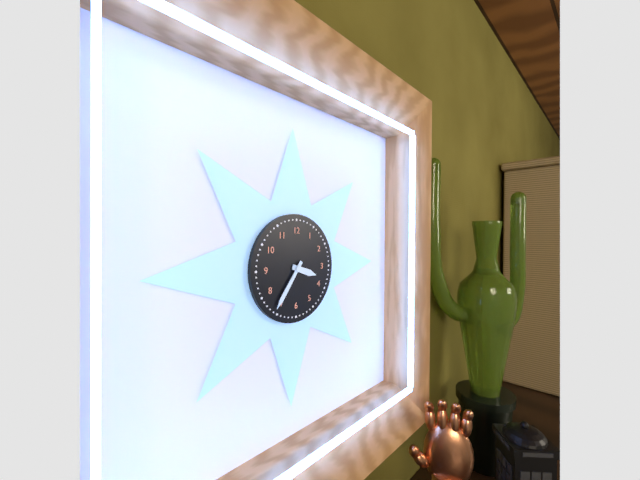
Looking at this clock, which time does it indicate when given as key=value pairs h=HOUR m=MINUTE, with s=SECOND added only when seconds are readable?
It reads h=3 m=36
